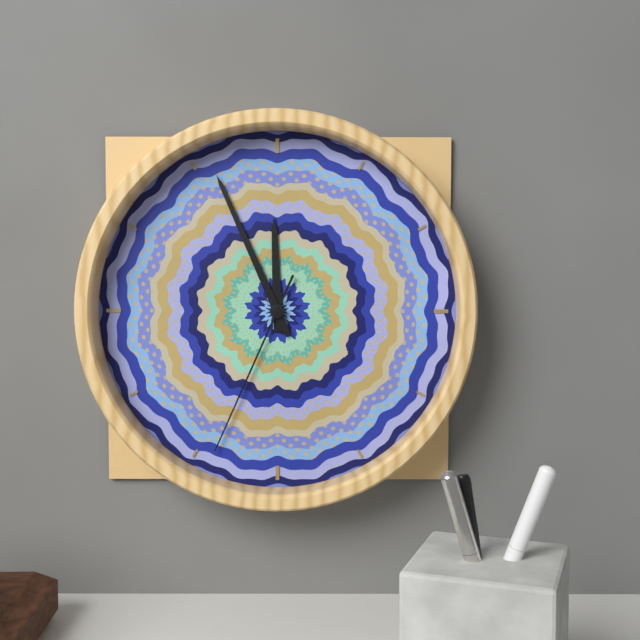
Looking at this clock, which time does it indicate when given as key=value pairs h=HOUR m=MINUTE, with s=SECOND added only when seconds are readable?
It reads h=11 m=56 s=34
